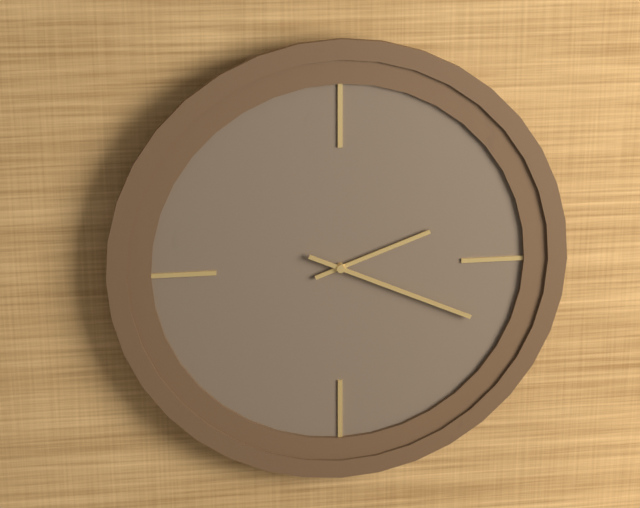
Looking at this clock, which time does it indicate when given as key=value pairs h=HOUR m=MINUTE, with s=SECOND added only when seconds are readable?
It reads h=2 m=19
